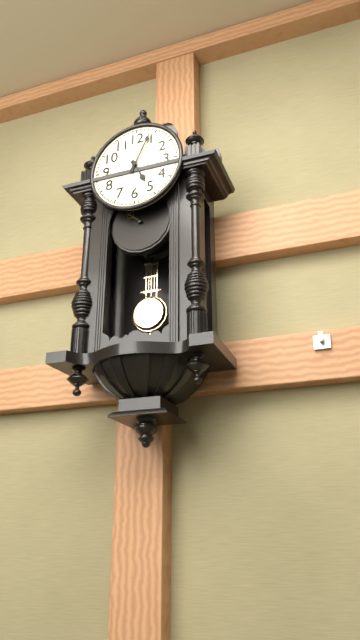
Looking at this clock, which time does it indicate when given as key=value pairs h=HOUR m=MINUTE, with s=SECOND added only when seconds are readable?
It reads h=5 m=4
